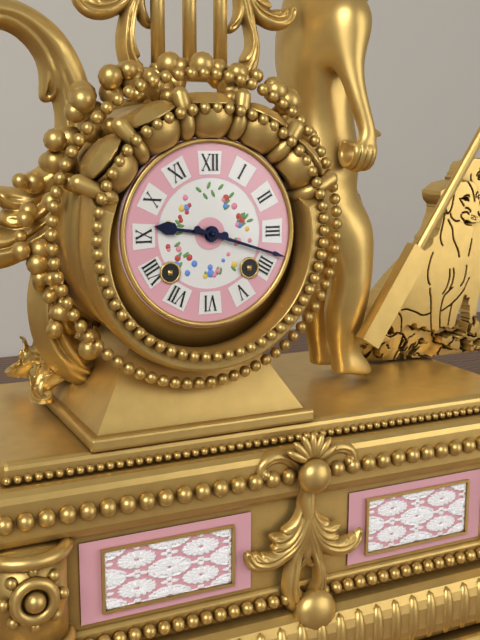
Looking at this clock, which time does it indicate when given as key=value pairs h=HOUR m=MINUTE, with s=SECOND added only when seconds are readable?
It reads h=9 m=18
